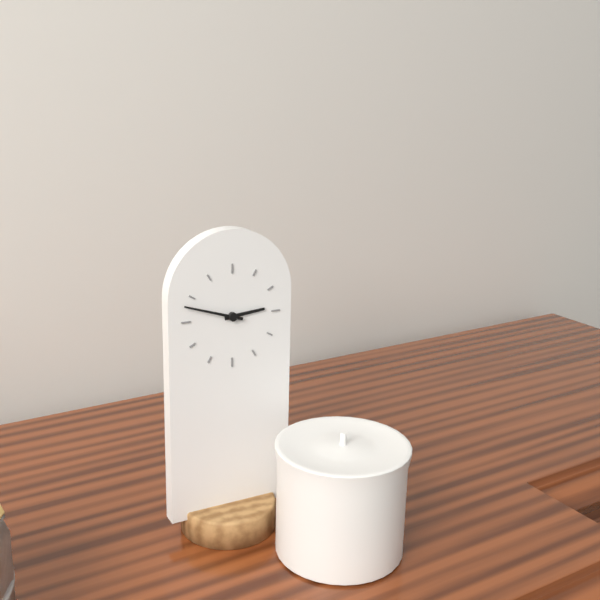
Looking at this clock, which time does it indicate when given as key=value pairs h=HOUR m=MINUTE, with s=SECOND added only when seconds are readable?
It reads h=2 m=48
